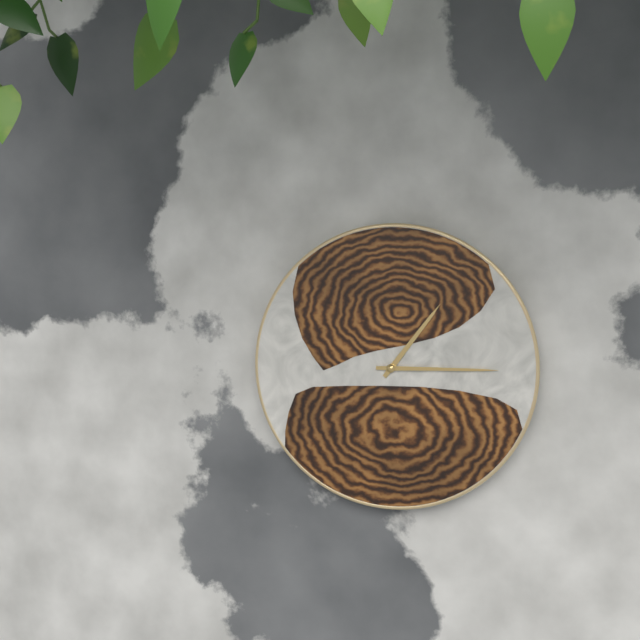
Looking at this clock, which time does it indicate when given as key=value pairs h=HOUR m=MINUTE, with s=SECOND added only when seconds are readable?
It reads h=1 m=15
